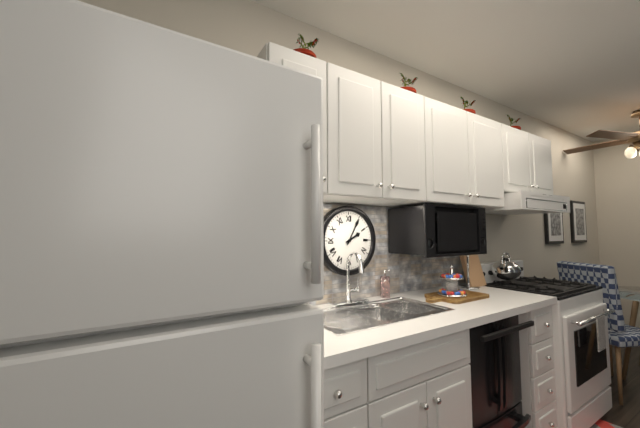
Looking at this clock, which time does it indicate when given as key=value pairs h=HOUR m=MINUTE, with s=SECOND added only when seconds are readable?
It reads h=2 m=5
